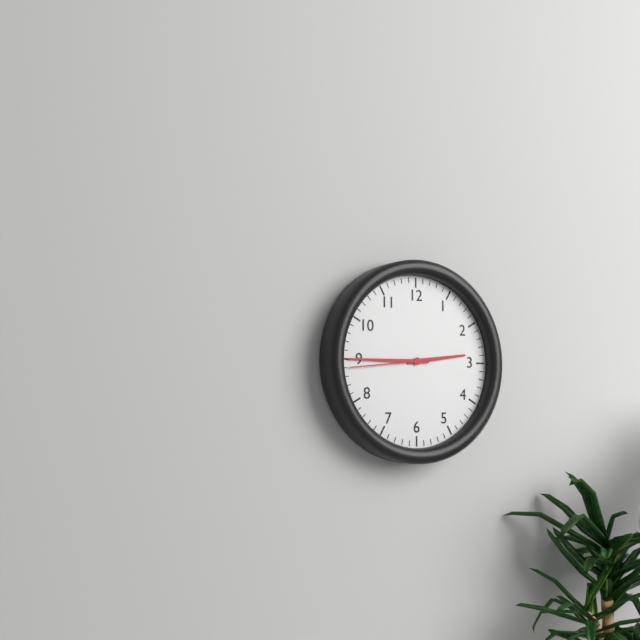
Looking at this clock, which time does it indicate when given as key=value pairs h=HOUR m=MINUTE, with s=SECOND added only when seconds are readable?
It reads h=2 m=45 s=44
